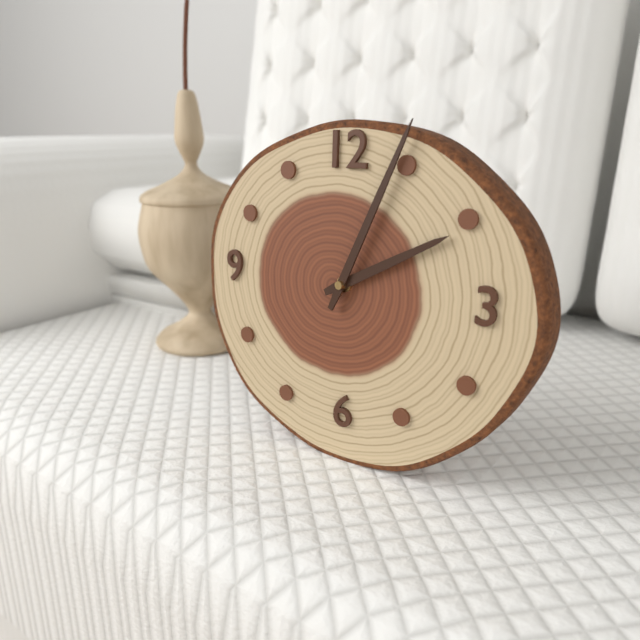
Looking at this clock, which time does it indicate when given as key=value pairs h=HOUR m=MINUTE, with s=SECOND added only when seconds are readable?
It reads h=2 m=4
